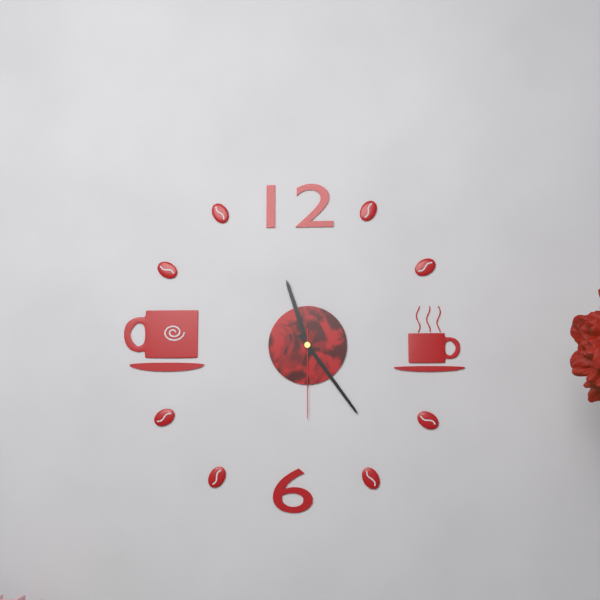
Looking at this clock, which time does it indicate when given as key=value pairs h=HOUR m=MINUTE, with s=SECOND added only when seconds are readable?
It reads h=11 m=24 s=30
